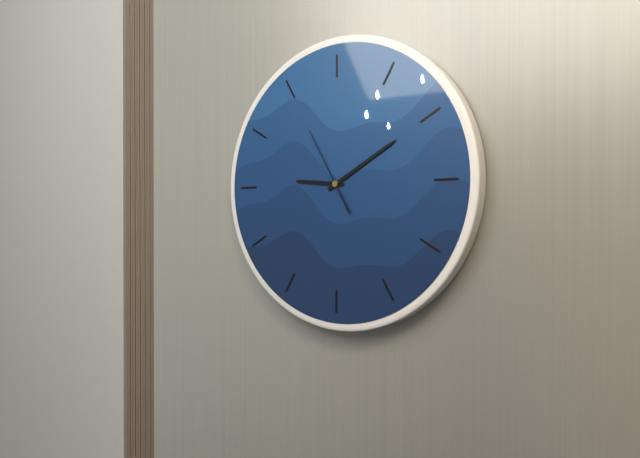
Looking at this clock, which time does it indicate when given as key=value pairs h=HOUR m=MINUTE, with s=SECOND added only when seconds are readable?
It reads h=9 m=10 s=55
